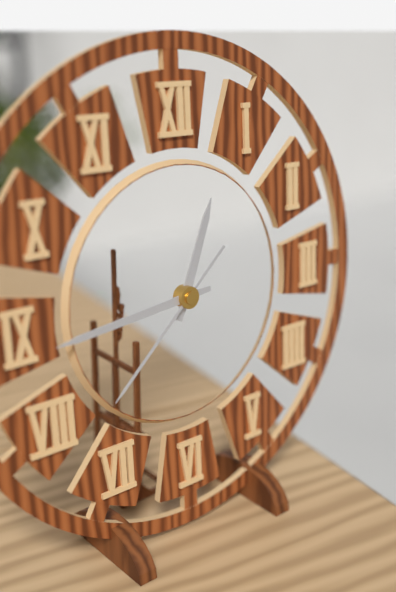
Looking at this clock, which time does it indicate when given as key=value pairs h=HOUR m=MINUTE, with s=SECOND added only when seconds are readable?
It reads h=12 m=44 s=38
